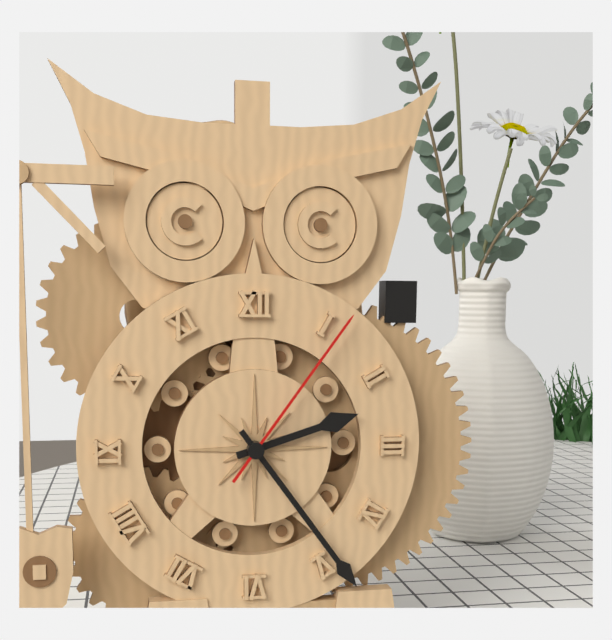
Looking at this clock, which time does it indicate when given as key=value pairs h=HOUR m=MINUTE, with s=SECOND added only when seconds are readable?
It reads h=2 m=24 s=6
